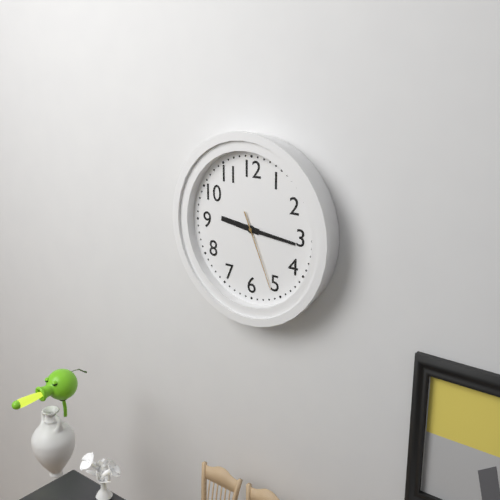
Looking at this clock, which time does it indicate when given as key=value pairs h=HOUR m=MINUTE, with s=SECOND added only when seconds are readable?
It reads h=9 m=16 s=26
